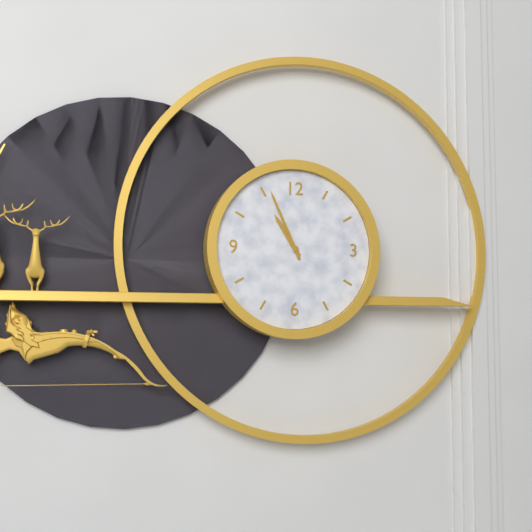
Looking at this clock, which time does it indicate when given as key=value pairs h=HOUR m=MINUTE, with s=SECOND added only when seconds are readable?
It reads h=10 m=56
